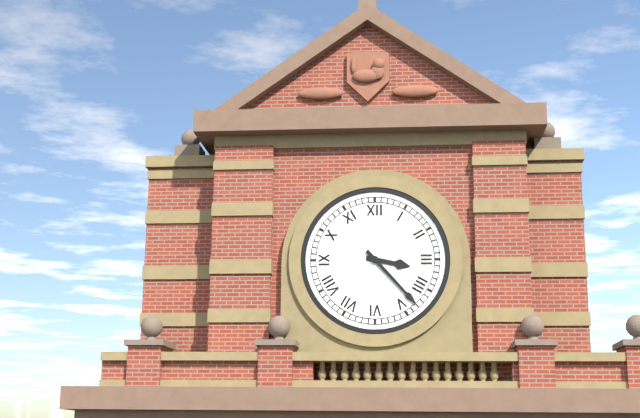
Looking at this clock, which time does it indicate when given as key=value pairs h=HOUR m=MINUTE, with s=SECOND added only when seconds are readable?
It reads h=3 m=23
